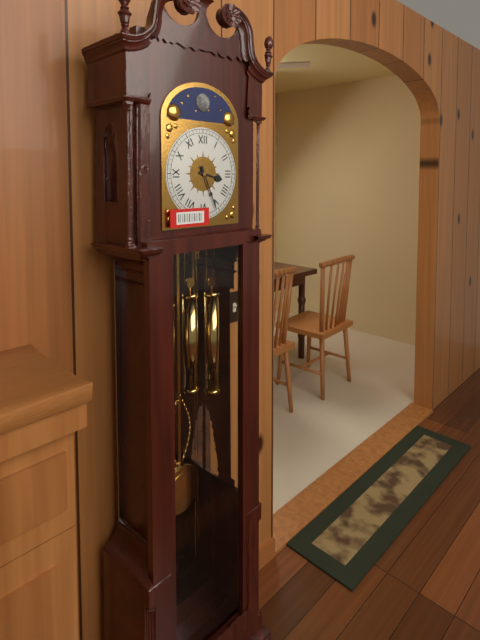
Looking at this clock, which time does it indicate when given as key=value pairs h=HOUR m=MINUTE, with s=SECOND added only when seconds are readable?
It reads h=3 m=26
